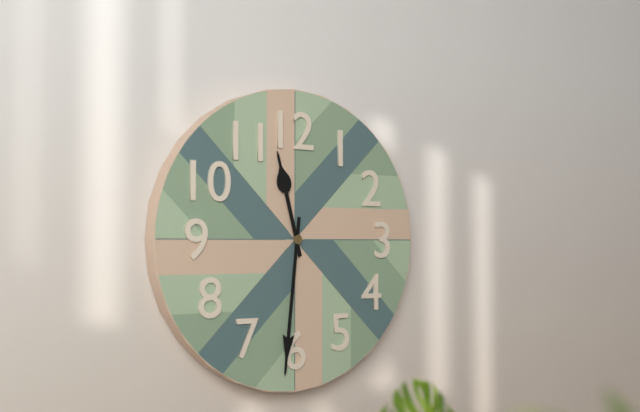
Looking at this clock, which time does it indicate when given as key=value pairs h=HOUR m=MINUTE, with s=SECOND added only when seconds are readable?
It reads h=11 m=31
